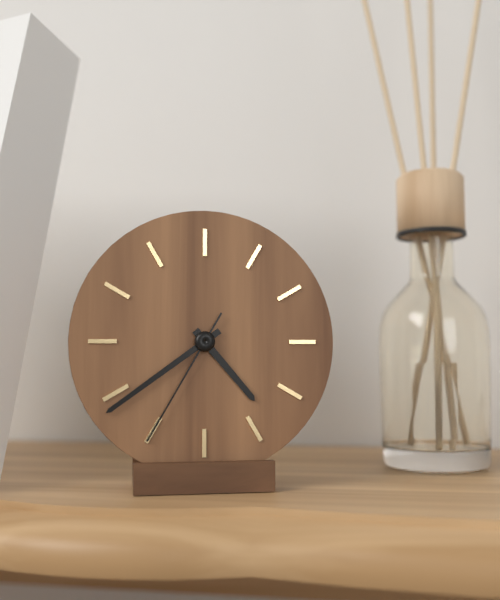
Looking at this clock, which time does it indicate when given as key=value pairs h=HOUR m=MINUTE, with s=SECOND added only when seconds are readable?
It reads h=4 m=39 s=35
